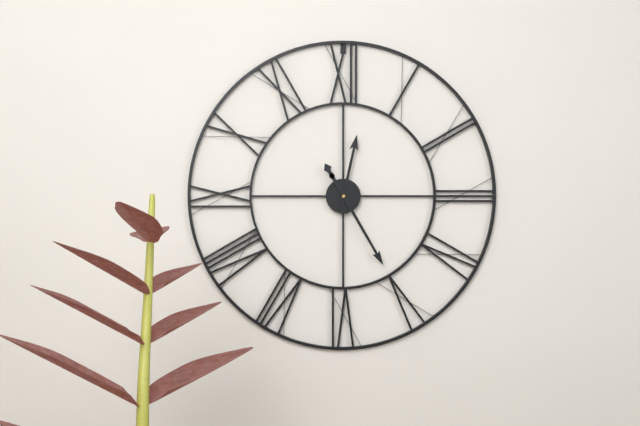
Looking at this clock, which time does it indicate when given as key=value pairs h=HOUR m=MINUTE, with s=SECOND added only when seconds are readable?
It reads h=12 m=25
